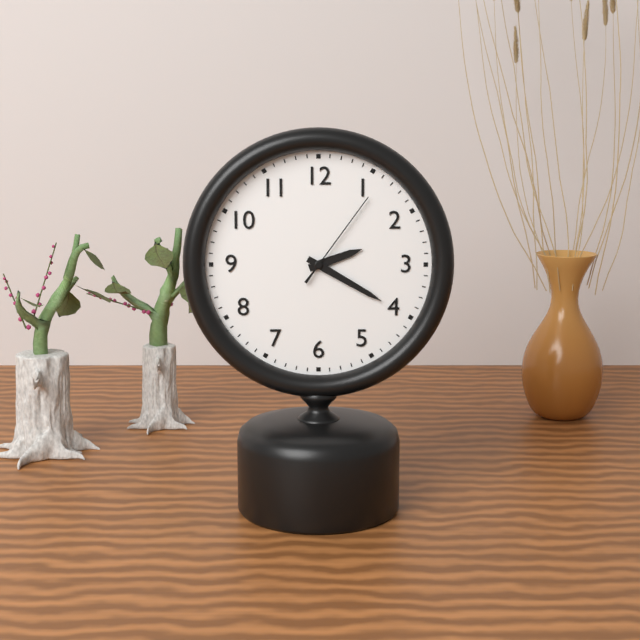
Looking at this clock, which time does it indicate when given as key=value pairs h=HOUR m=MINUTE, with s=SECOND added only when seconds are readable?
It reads h=2 m=20 s=6
